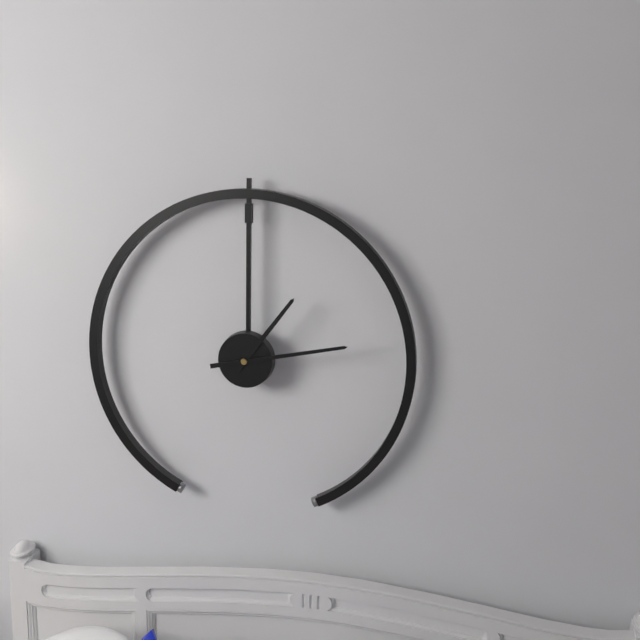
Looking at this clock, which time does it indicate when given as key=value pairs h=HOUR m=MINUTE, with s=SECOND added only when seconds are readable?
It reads h=1 m=13
